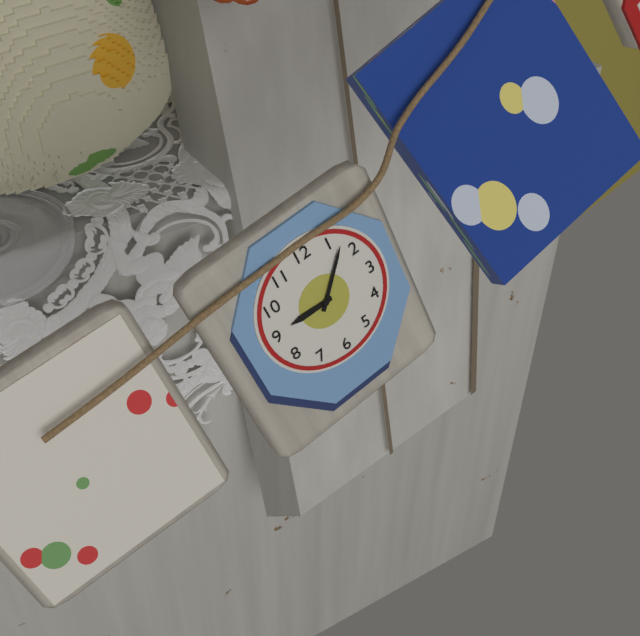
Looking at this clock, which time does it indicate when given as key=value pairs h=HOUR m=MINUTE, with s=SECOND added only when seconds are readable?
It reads h=9 m=7
